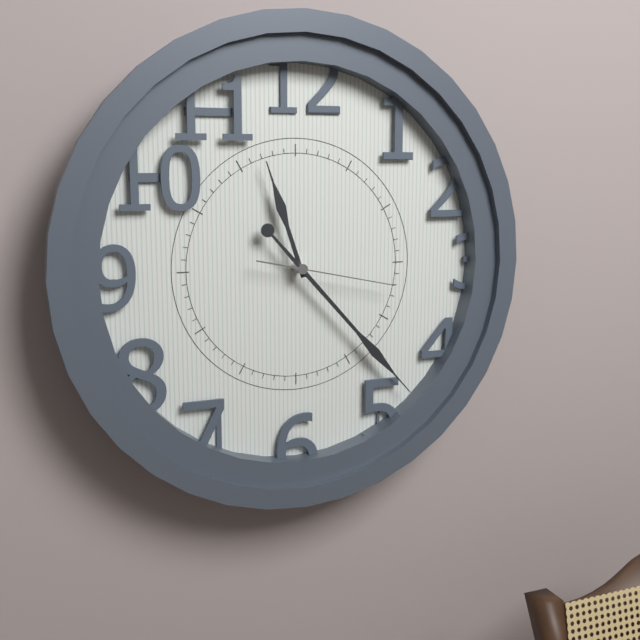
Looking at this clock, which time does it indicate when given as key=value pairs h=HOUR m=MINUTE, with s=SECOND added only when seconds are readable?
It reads h=11 m=23 s=17
